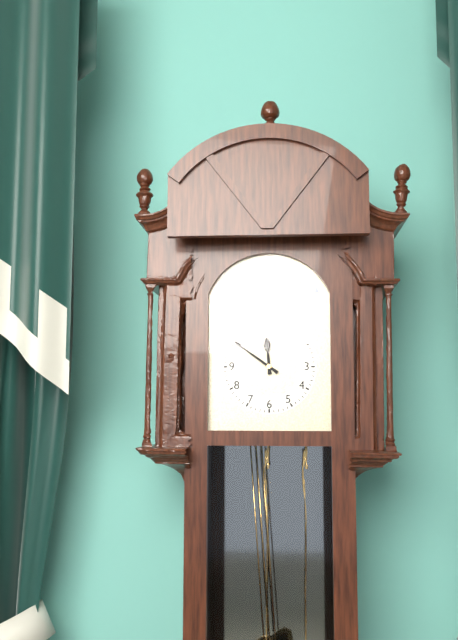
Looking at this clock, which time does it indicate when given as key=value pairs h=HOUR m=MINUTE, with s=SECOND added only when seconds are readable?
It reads h=11 m=51
